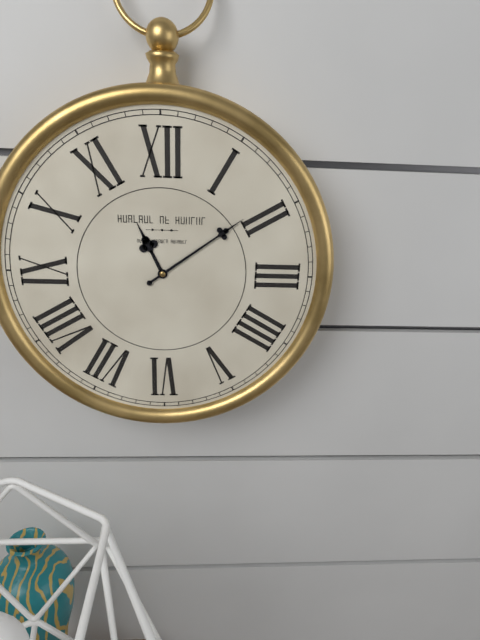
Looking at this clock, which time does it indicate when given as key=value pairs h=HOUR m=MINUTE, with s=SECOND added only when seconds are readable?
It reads h=11 m=9
